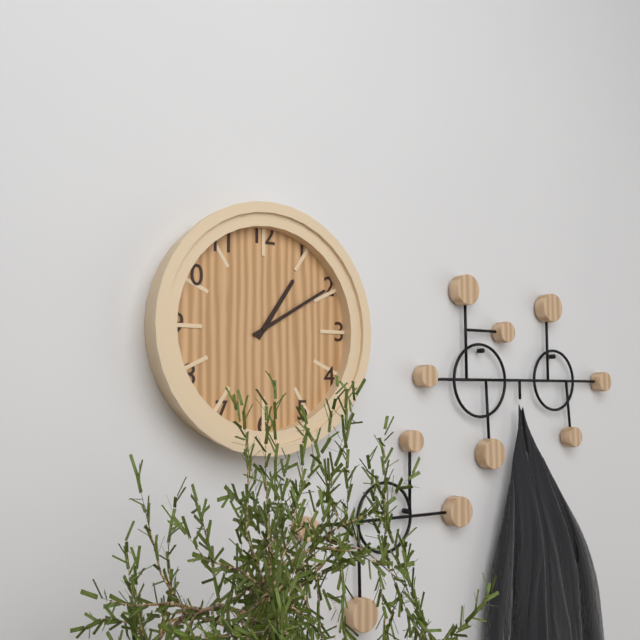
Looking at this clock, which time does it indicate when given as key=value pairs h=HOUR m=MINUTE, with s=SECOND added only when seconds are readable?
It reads h=1 m=10
